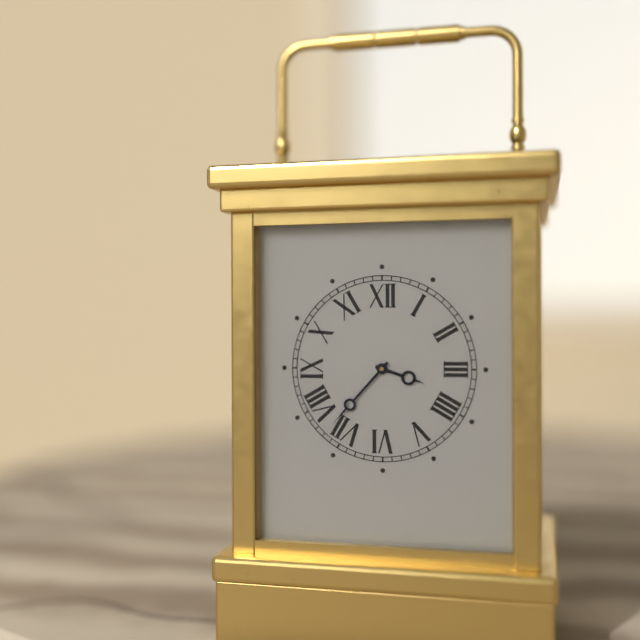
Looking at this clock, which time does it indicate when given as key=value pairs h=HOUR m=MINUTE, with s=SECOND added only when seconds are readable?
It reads h=3 m=37
